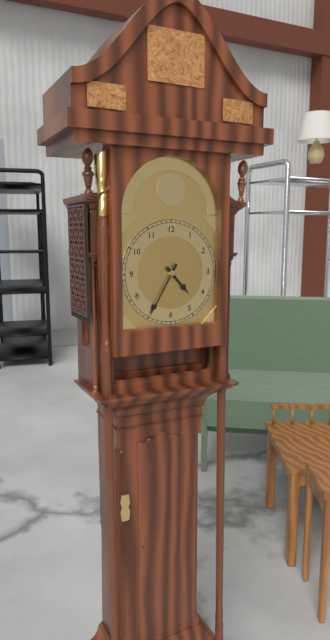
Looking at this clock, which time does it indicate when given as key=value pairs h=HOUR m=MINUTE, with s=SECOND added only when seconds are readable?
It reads h=4 m=35
